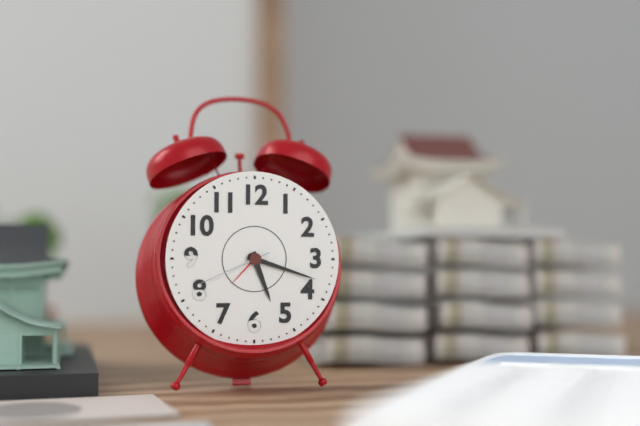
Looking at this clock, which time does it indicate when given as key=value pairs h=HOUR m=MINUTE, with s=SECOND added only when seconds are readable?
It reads h=5 m=18 s=41
